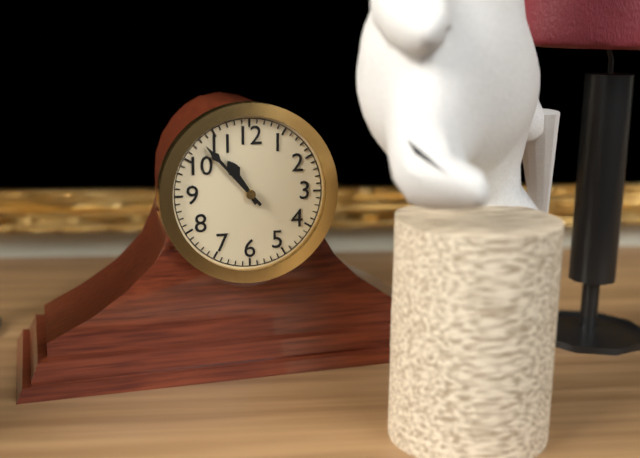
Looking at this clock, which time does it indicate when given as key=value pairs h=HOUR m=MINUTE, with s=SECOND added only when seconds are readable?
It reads h=10 m=53
